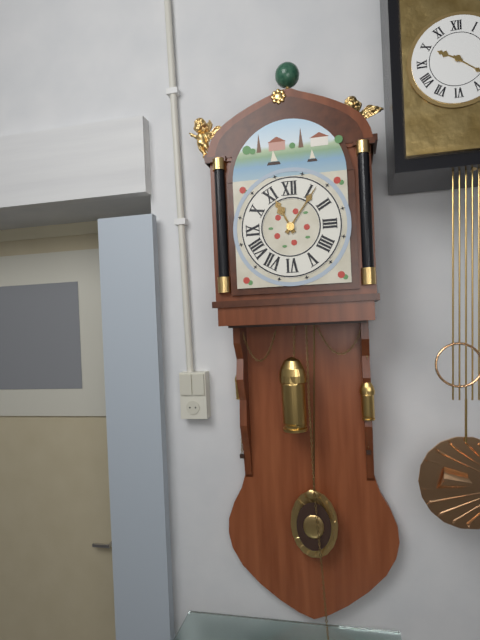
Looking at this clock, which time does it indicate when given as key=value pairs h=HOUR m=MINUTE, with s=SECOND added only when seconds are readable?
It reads h=11 m=6
